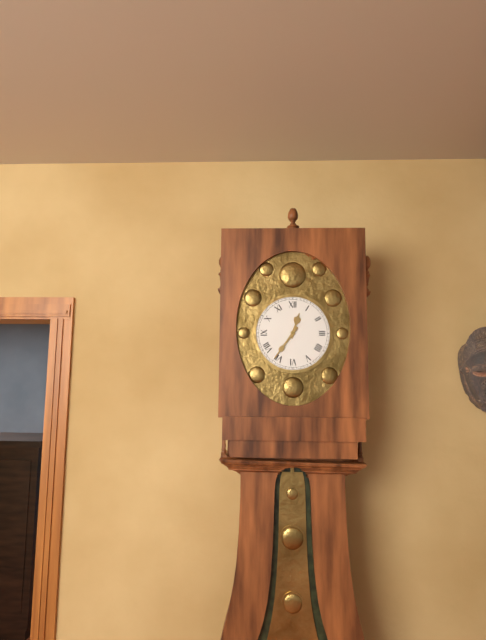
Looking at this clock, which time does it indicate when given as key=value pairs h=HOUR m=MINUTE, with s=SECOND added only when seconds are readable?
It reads h=12 m=36
